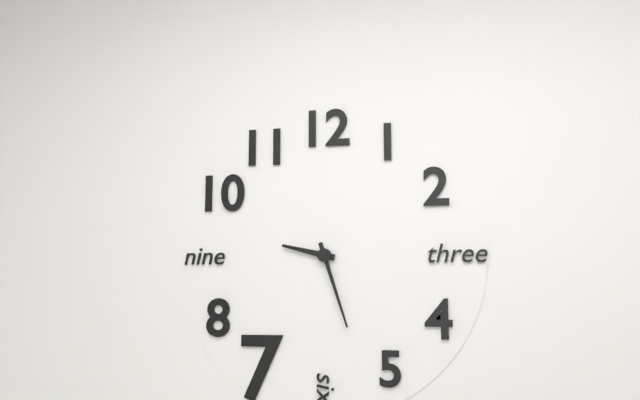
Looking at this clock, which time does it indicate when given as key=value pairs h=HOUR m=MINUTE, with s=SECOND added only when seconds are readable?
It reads h=9 m=27
